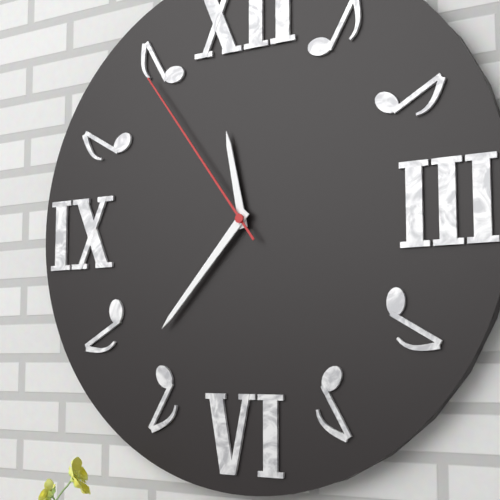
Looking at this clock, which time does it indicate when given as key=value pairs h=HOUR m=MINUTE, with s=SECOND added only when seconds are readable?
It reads h=11 m=37 s=54
